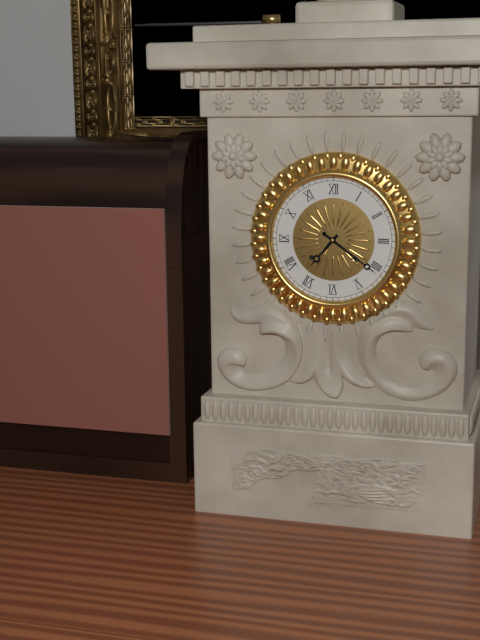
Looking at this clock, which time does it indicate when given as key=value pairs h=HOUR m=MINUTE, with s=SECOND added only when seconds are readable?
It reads h=7 m=21
